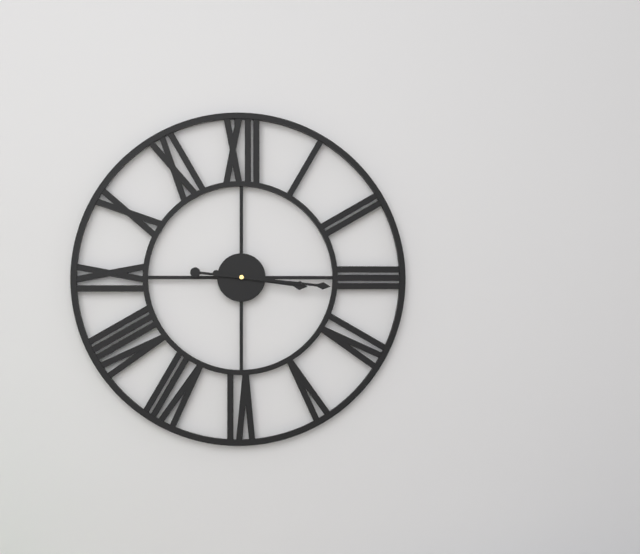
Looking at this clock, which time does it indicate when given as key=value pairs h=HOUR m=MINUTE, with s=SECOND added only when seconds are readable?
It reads h=3 m=16
